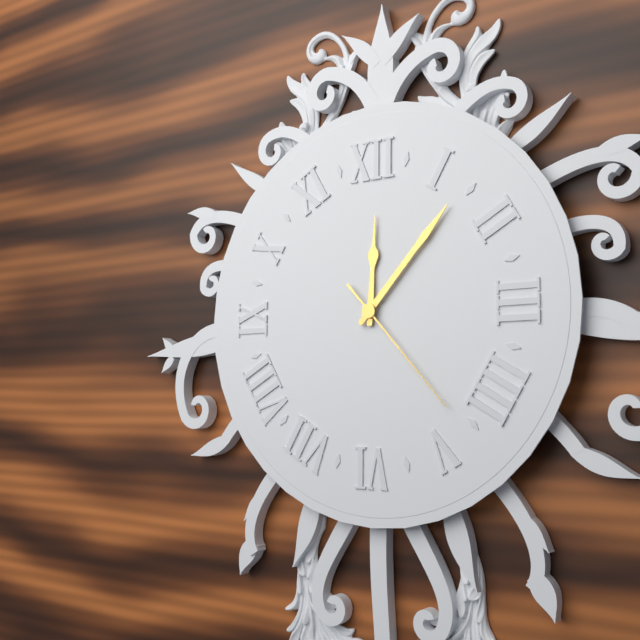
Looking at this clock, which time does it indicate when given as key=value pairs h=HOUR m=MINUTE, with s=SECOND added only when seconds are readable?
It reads h=12 m=7 s=23
